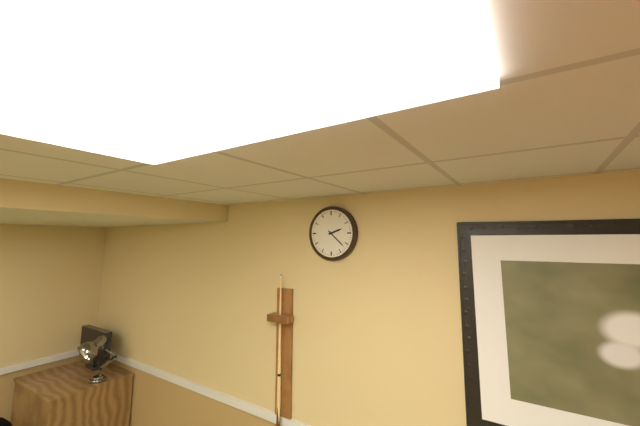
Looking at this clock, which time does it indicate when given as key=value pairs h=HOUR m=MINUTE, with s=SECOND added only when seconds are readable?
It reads h=2 m=22
